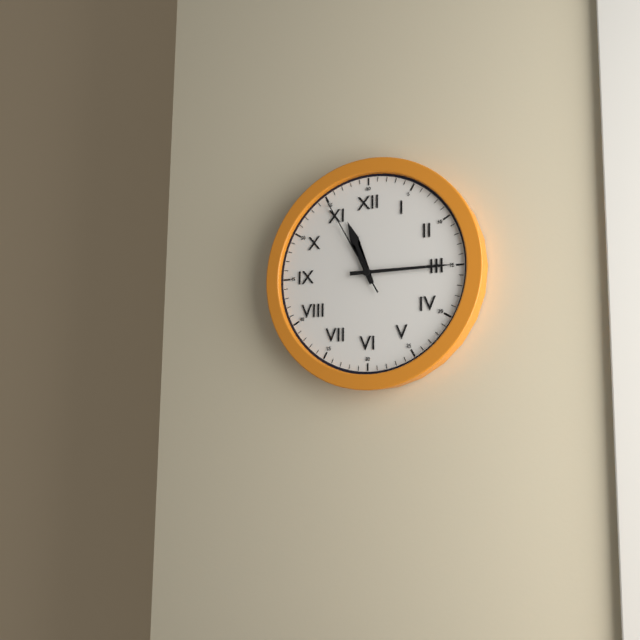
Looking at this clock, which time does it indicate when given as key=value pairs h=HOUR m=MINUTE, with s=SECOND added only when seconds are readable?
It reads h=11 m=15 s=55
